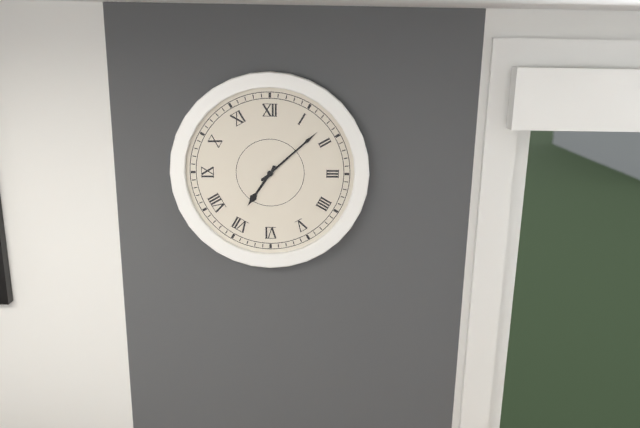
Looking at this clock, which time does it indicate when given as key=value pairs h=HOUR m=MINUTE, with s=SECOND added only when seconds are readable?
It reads h=7 m=8
